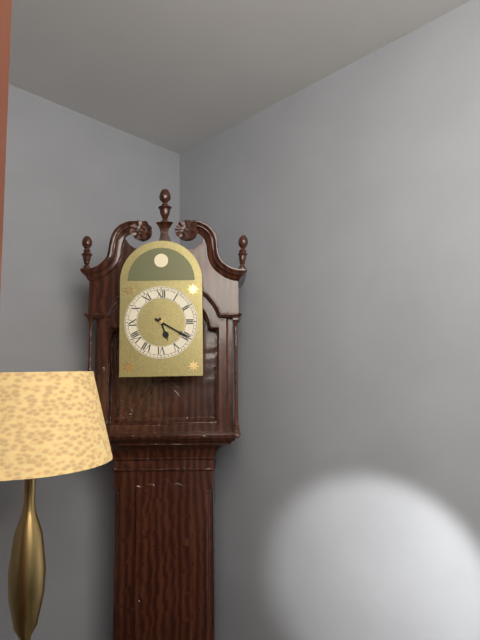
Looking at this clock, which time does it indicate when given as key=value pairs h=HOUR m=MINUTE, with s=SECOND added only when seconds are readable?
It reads h=5 m=20
